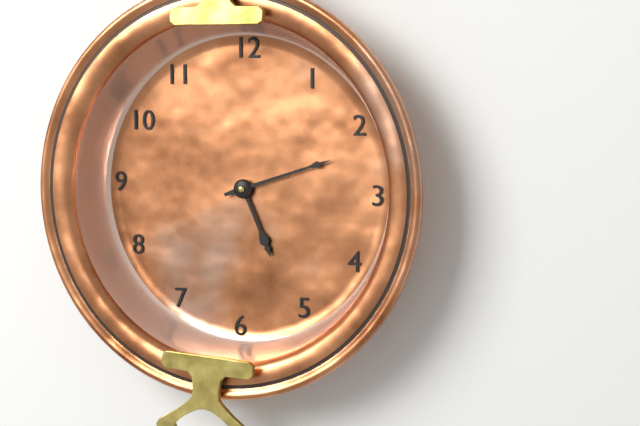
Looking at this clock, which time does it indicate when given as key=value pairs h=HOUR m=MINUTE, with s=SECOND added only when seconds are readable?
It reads h=5 m=12
